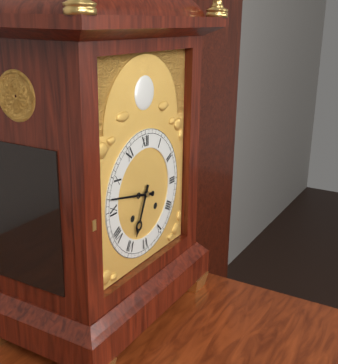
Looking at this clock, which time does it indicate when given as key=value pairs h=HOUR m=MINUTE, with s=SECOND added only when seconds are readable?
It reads h=6 m=47
